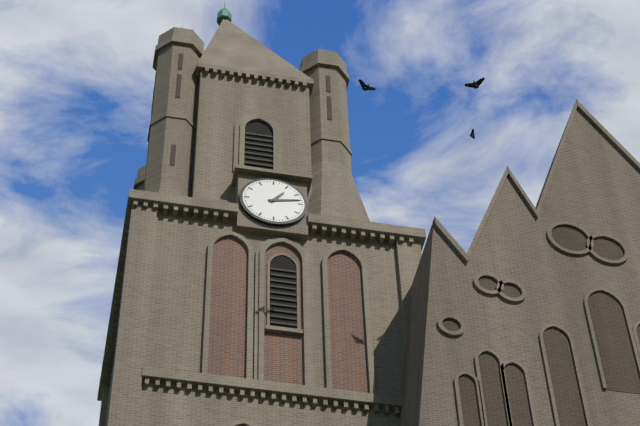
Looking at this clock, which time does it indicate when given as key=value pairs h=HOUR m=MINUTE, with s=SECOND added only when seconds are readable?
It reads h=1 m=13
